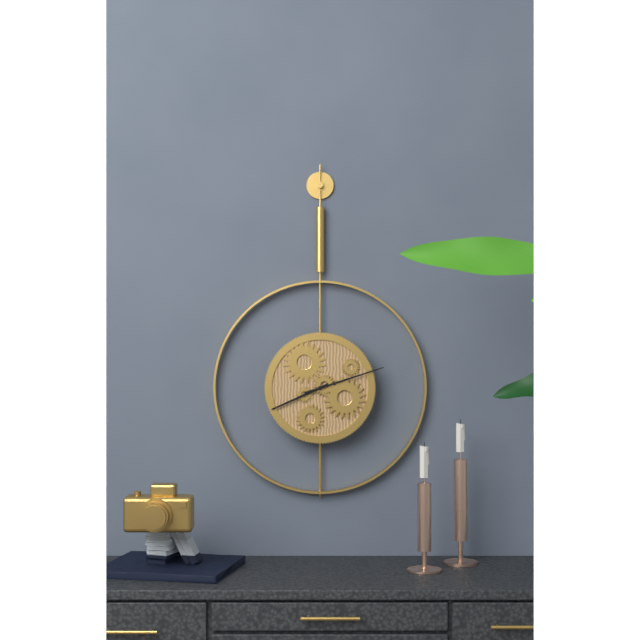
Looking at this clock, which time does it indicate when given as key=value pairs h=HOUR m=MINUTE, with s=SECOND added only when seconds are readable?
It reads h=8 m=12
